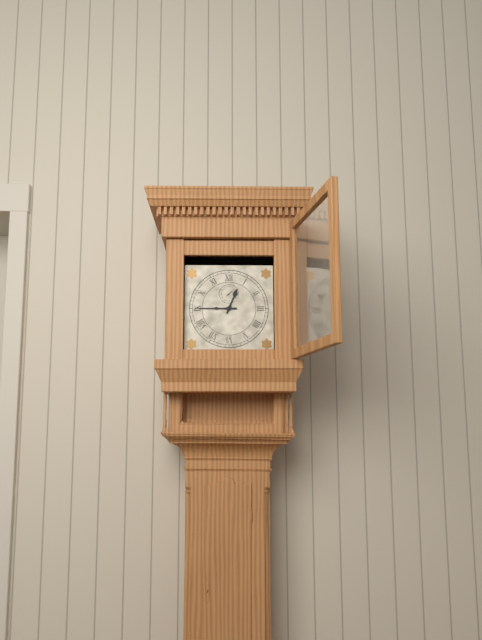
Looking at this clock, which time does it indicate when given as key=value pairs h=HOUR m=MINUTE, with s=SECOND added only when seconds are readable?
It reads h=12 m=45
